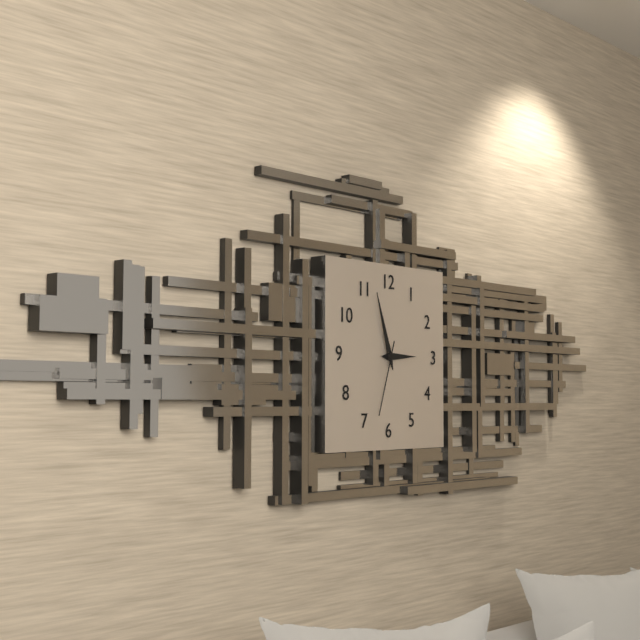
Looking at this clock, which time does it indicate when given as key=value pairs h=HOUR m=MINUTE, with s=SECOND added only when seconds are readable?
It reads h=2 m=57 s=33
